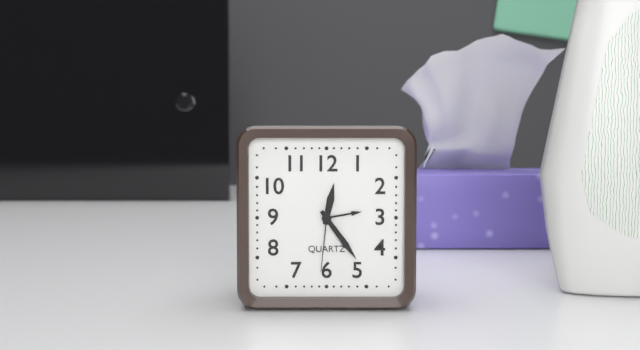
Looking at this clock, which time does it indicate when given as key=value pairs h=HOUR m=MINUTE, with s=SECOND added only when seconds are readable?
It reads h=12 m=24 s=31
